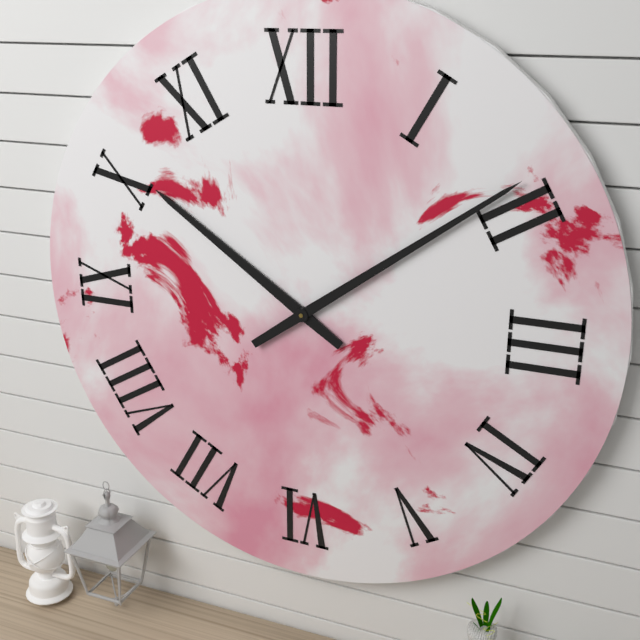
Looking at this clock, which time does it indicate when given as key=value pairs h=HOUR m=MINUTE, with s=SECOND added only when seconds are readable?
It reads h=10 m=9
